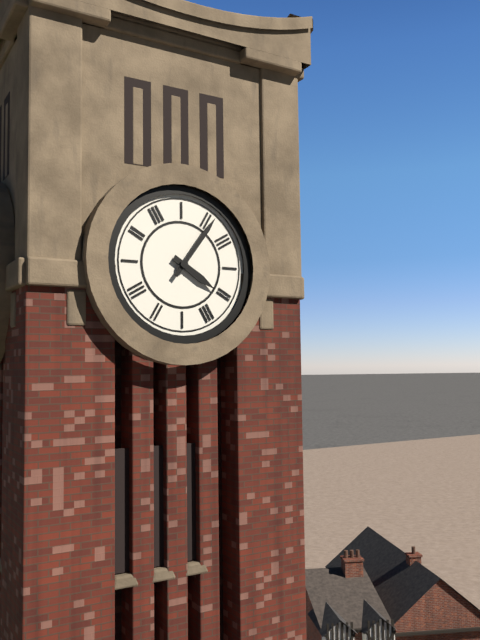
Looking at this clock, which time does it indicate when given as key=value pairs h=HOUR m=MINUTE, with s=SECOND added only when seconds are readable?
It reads h=4 m=6
